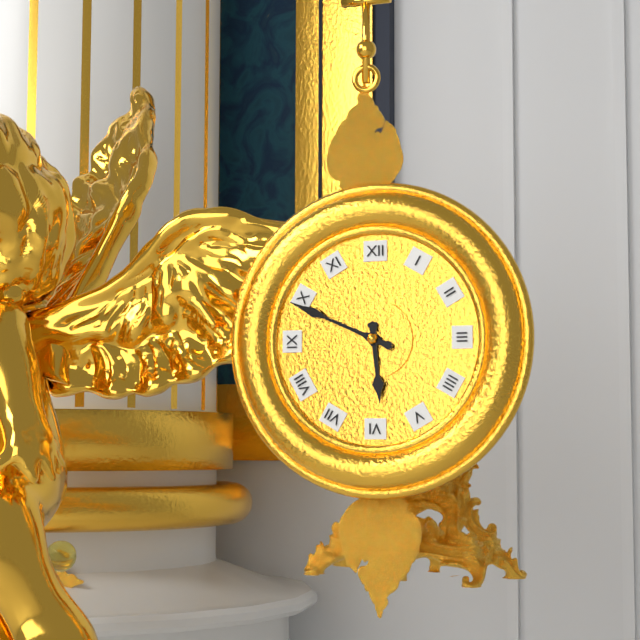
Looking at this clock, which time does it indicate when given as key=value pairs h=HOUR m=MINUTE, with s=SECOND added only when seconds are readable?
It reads h=5 m=49
